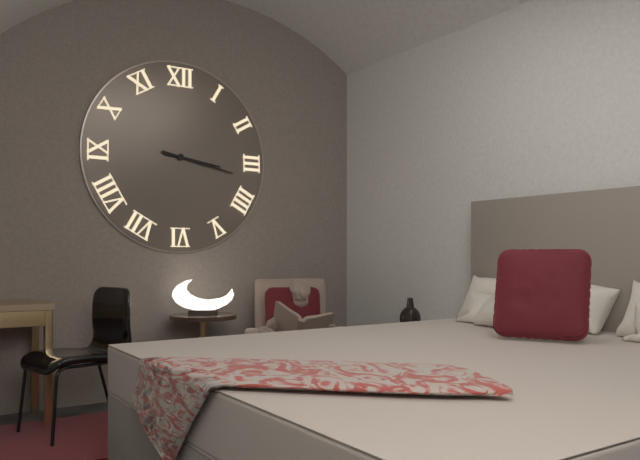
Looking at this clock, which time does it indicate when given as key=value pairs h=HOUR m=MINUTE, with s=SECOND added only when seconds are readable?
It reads h=3 m=17
